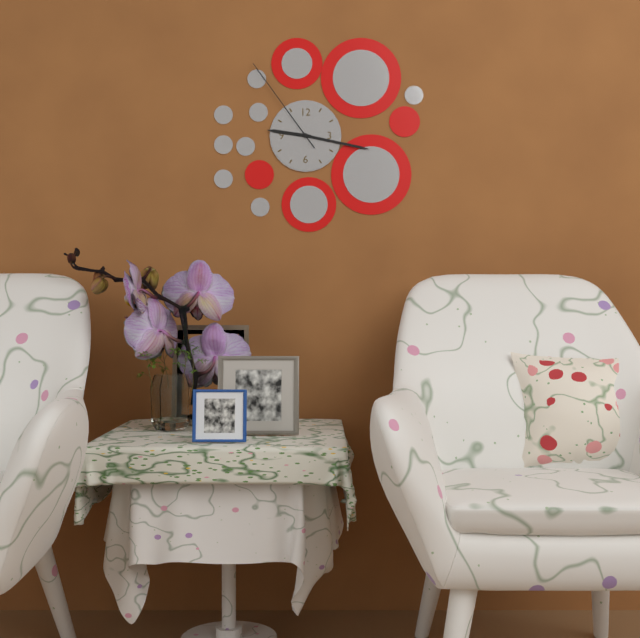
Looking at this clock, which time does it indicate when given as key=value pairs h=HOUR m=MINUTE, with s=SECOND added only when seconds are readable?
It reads h=9 m=17 s=54
